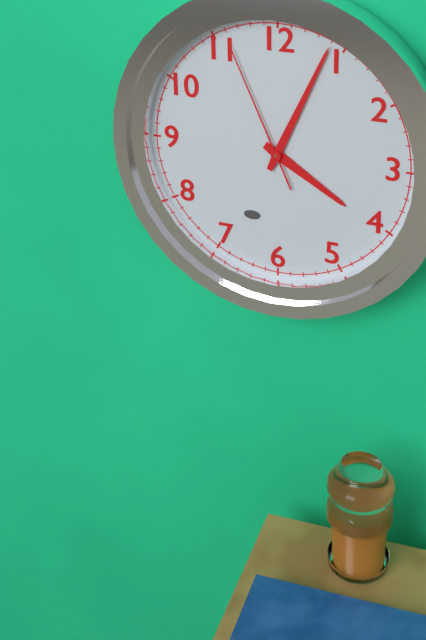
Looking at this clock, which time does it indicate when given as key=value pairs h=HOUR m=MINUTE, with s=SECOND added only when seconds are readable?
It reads h=4 m=4 s=56
